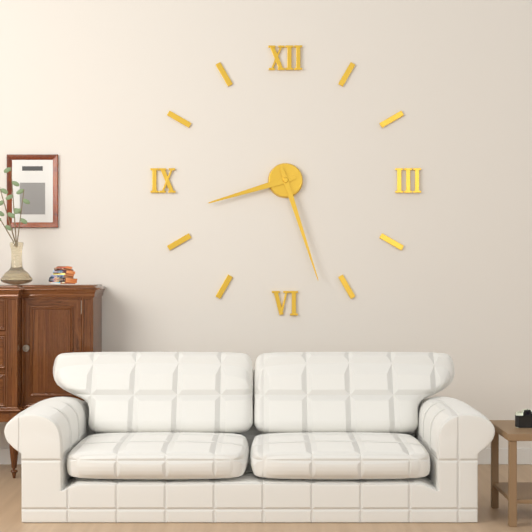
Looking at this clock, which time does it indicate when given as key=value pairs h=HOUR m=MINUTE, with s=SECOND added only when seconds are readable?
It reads h=8 m=27
